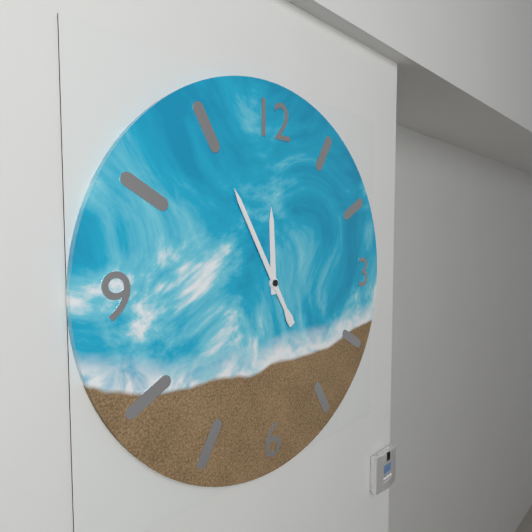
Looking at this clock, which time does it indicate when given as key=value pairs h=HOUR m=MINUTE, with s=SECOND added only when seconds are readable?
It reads h=11 m=55
